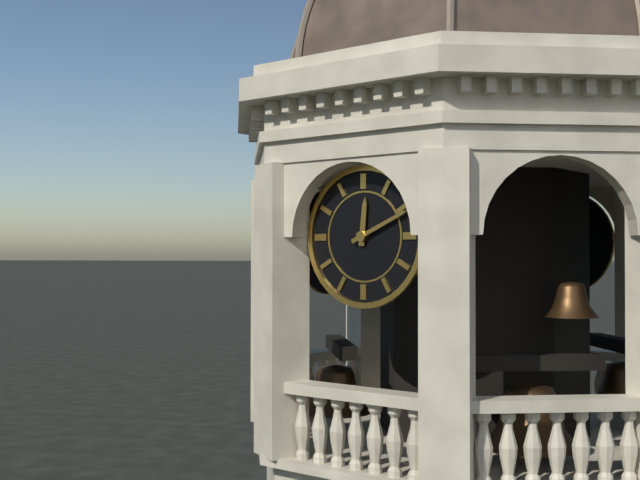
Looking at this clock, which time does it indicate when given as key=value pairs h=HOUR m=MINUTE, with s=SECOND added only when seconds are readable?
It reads h=12 m=11
